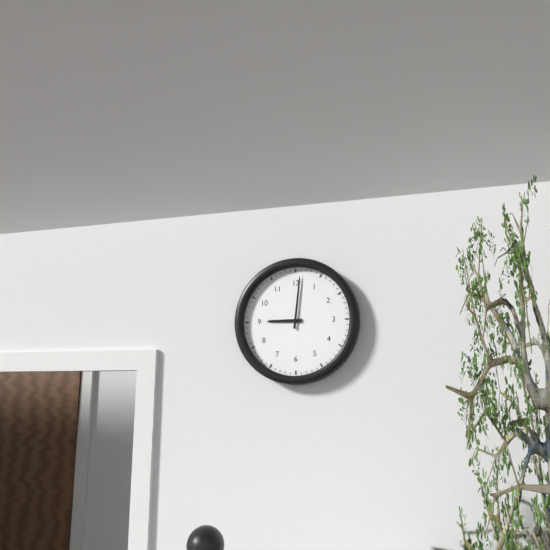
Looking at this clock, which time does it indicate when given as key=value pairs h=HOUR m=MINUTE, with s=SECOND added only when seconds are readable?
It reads h=9 m=1
